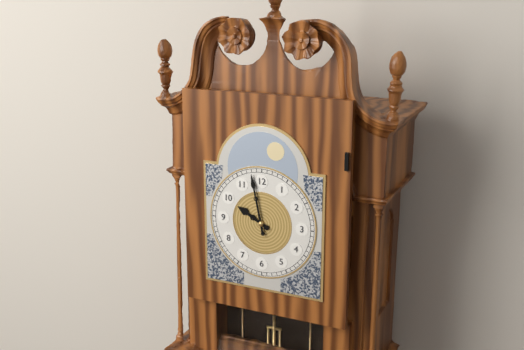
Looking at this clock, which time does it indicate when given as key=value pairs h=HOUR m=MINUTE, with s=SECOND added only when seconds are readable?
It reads h=9 m=58
